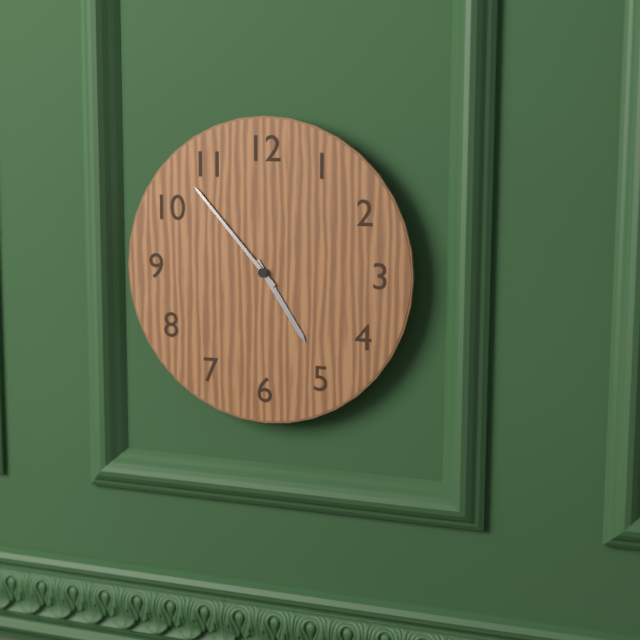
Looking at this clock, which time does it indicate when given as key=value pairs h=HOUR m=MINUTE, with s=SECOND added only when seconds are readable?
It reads h=4 m=53
